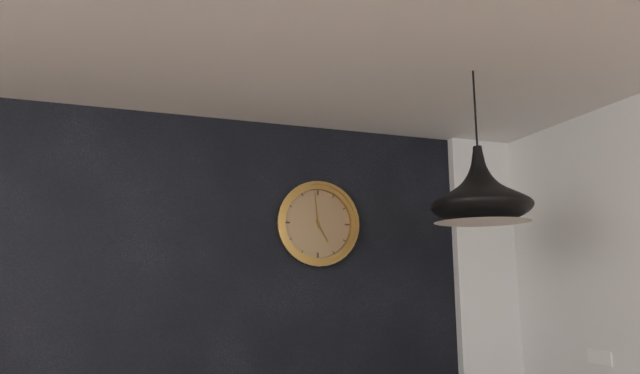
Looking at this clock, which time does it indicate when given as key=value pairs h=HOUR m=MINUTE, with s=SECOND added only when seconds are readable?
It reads h=4 m=59
